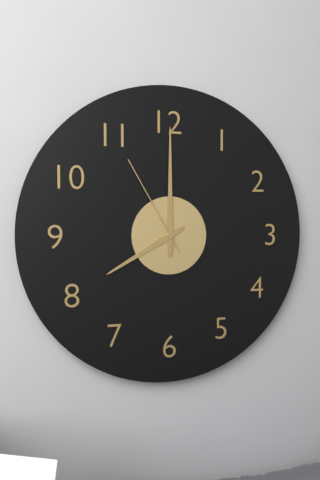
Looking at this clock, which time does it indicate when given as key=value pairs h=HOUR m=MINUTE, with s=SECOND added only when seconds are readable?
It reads h=8 m=0 s=55
